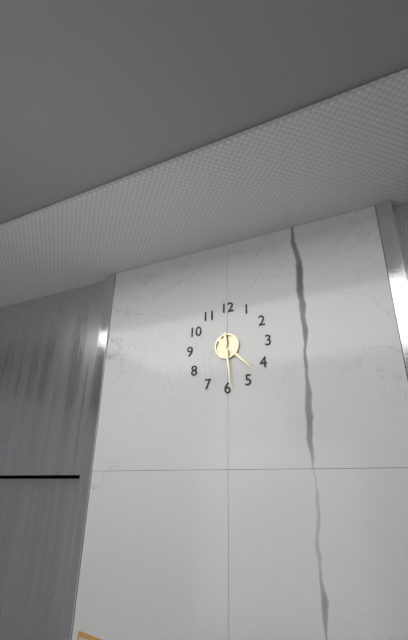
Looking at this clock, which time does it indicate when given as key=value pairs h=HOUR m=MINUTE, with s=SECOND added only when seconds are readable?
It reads h=4 m=29
